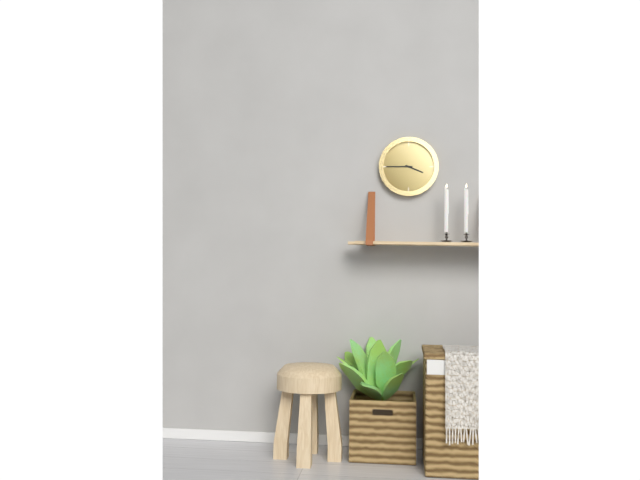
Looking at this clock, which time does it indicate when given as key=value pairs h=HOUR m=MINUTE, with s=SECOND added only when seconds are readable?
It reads h=3 m=45
